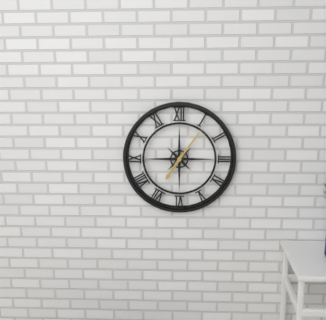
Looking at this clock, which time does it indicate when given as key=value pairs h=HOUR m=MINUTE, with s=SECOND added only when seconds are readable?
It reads h=7 m=6
